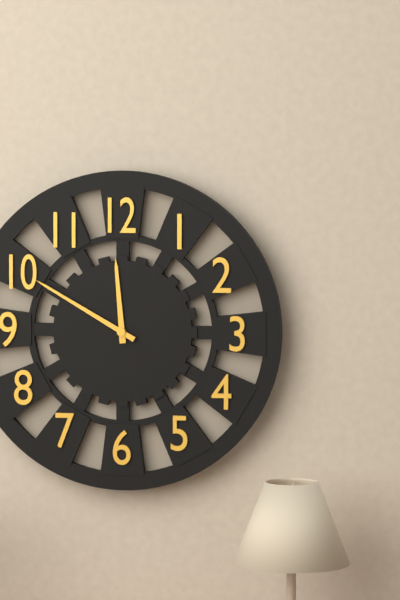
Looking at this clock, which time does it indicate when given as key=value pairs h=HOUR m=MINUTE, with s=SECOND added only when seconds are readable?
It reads h=11 m=50
